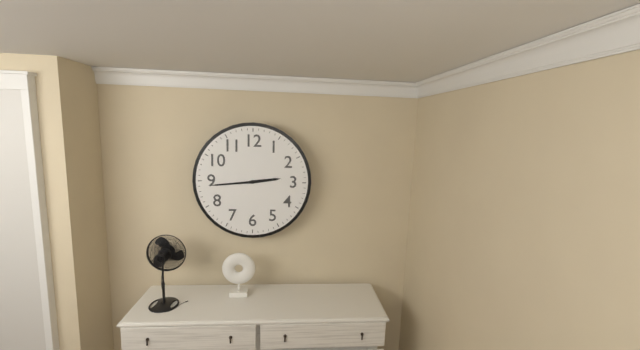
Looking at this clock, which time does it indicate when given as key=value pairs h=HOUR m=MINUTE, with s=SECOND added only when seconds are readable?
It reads h=2 m=44
